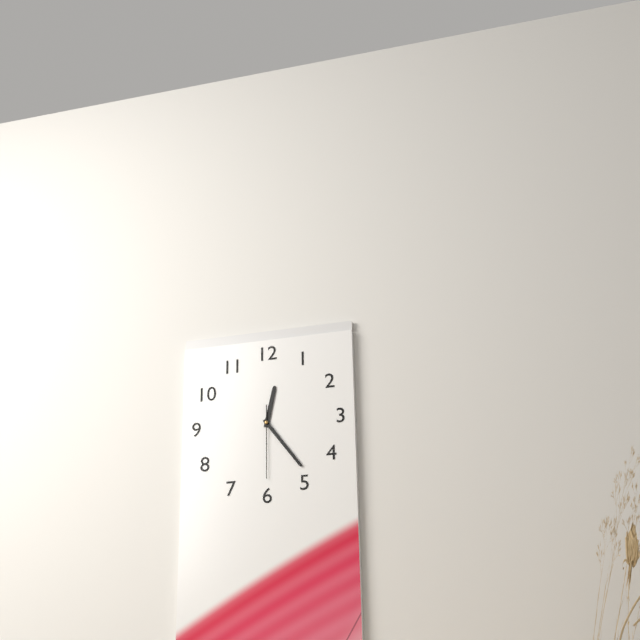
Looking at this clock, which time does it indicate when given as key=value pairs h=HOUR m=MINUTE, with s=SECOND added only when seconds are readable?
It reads h=12 m=24 s=30
